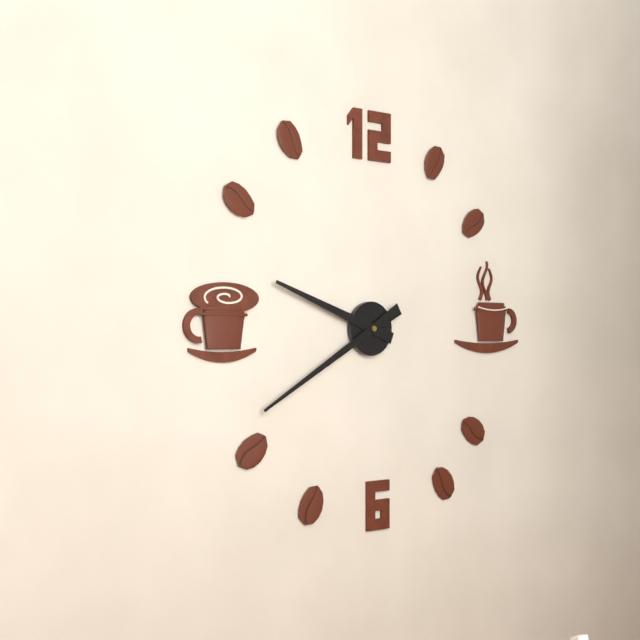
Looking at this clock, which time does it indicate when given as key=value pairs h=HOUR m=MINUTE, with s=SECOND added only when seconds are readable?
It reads h=9 m=40
